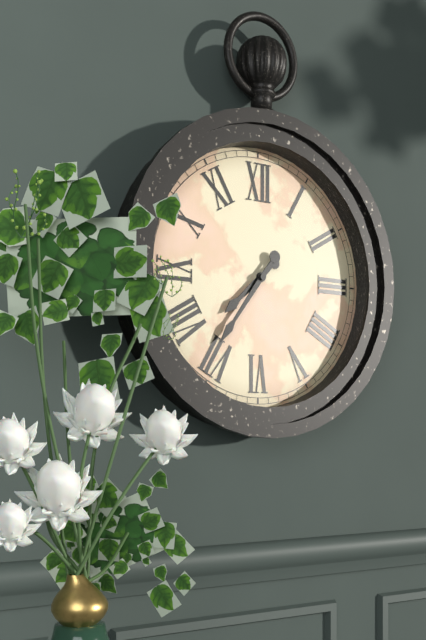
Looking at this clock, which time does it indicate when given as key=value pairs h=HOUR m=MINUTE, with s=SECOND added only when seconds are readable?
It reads h=7 m=36
